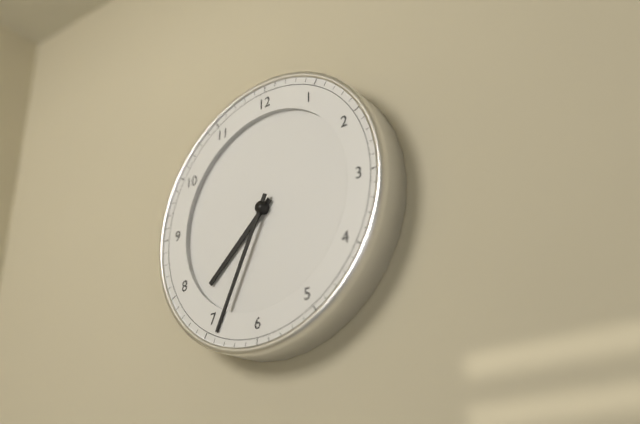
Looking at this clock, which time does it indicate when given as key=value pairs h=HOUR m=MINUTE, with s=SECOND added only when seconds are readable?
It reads h=7 m=34
